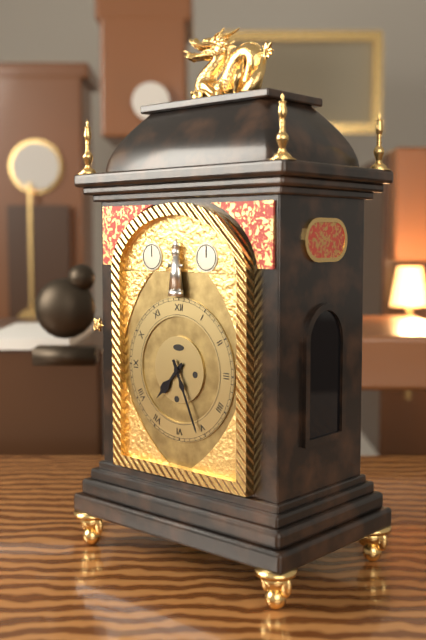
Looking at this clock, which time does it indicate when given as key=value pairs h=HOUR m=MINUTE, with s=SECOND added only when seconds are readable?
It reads h=7 m=26
